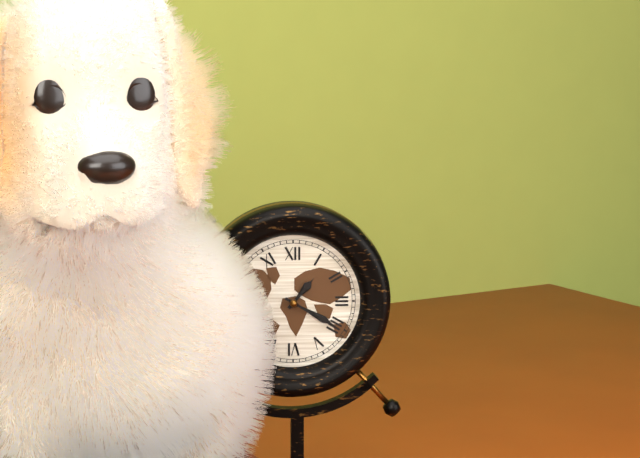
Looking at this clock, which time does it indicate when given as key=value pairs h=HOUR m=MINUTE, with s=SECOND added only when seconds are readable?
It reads h=1 m=20
